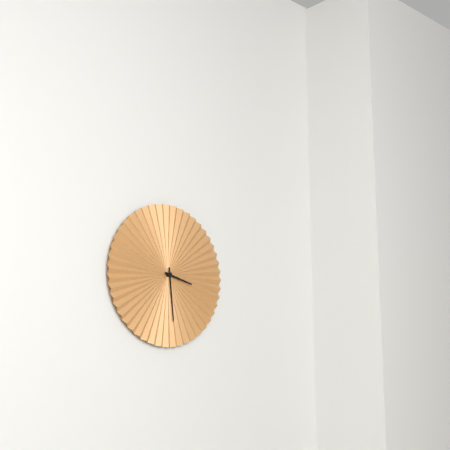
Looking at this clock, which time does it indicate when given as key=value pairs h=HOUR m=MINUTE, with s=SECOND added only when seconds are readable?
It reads h=3 m=29
